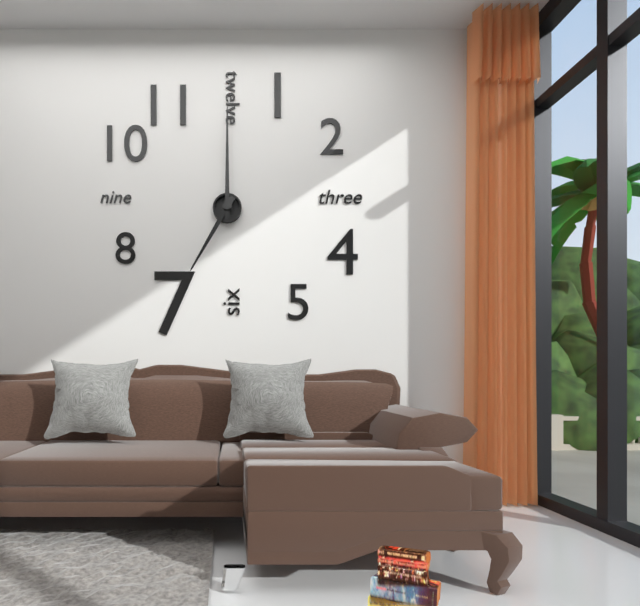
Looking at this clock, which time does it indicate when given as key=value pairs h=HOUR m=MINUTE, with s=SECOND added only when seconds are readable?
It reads h=7 m=0
